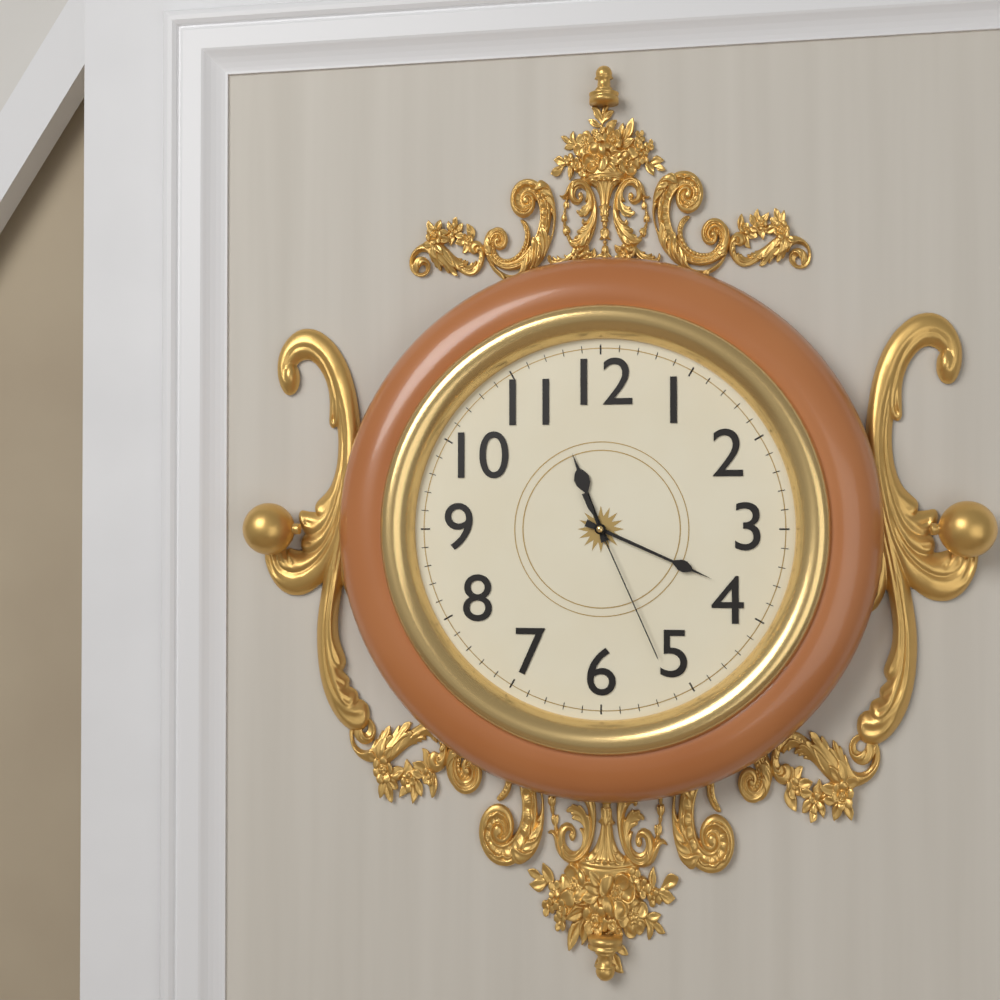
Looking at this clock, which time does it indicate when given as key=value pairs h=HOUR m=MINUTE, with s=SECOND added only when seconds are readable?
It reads h=11 m=19 s=26
